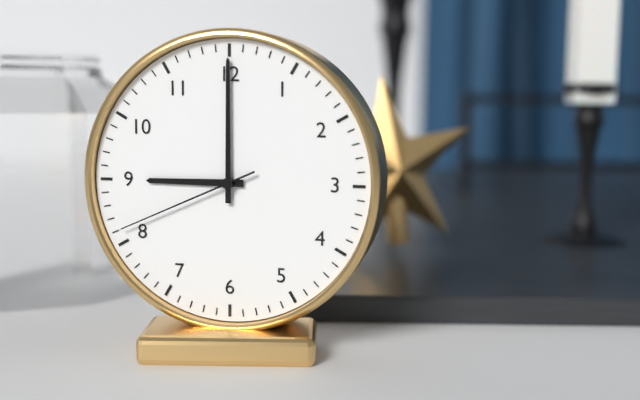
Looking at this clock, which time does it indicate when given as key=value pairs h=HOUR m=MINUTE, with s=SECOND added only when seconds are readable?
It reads h=9 m=0 s=41
